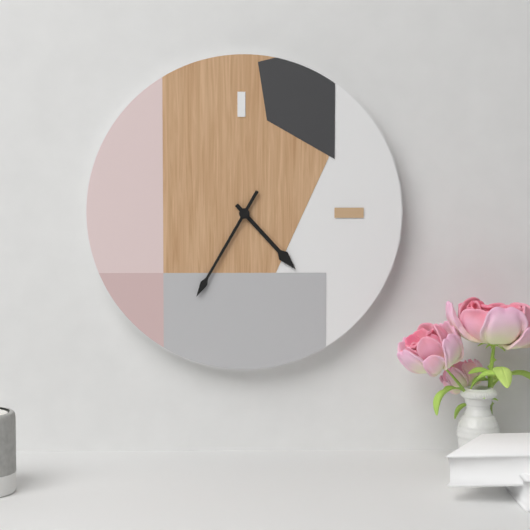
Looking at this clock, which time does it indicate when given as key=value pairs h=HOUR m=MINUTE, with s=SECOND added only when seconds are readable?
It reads h=4 m=35
